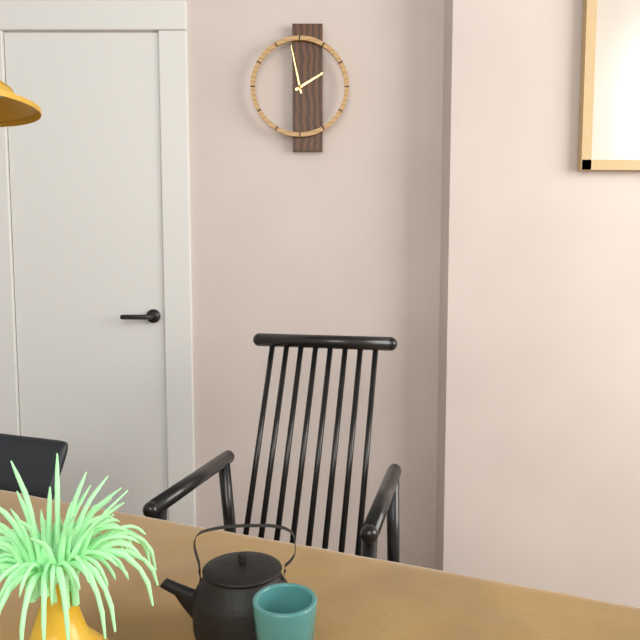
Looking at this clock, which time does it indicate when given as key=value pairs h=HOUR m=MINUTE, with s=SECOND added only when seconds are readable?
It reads h=1 m=58
